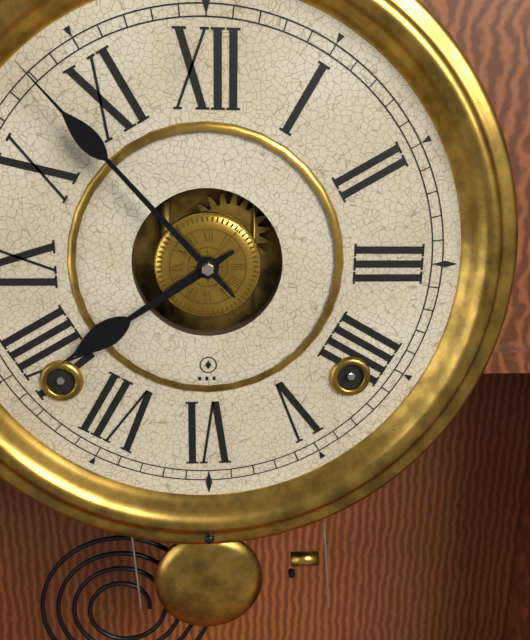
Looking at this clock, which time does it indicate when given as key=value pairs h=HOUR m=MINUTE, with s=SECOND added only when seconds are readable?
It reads h=7 m=53
